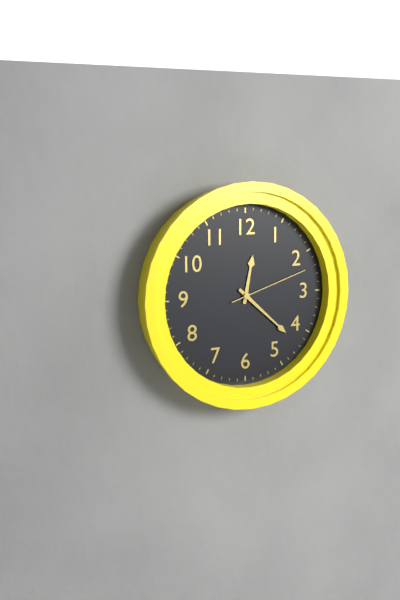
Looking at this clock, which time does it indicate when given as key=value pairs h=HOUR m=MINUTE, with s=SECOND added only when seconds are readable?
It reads h=12 m=22 s=12
